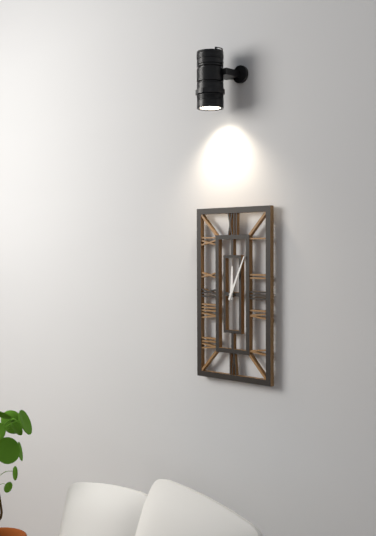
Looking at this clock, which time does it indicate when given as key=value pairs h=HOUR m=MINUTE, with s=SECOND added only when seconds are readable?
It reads h=12 m=4
